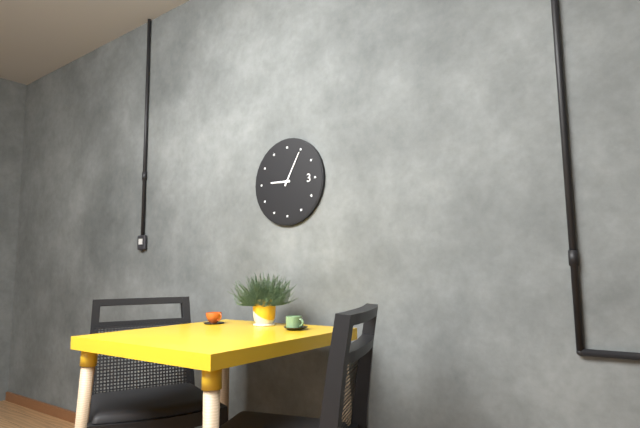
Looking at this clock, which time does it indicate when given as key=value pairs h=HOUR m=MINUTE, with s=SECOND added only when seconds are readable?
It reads h=9 m=5
